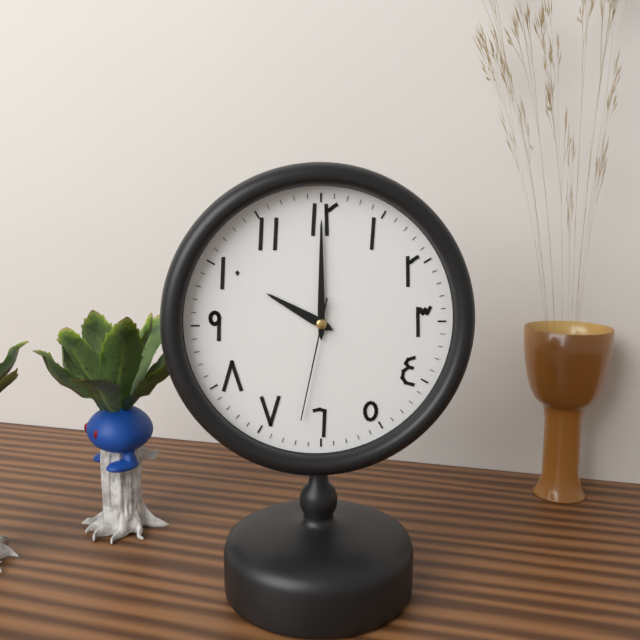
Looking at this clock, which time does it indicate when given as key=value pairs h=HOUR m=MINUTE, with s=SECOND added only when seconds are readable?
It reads h=10 m=0 s=32
